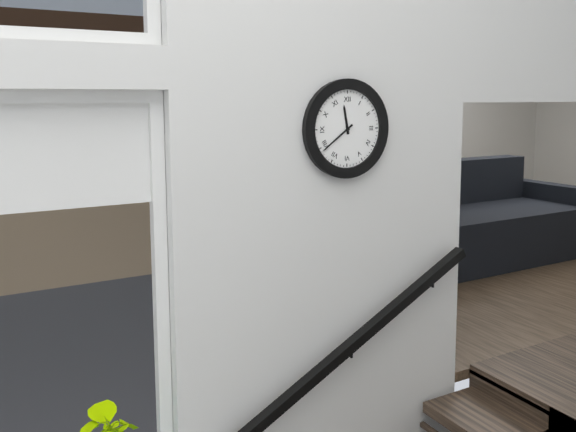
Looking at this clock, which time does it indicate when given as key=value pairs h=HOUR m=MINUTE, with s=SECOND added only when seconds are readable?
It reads h=11 m=39
